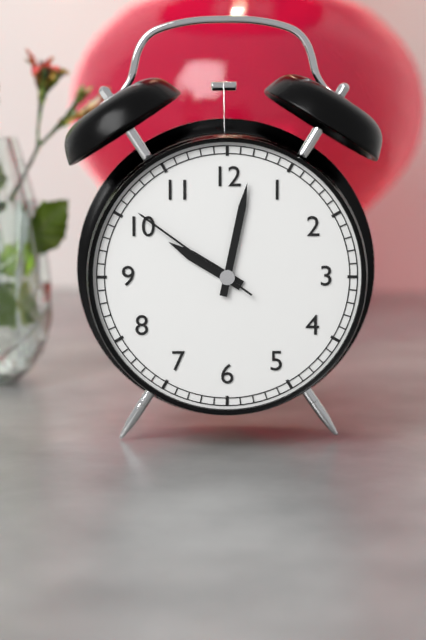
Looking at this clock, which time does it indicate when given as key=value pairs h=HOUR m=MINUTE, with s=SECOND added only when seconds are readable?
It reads h=10 m=2 s=51
